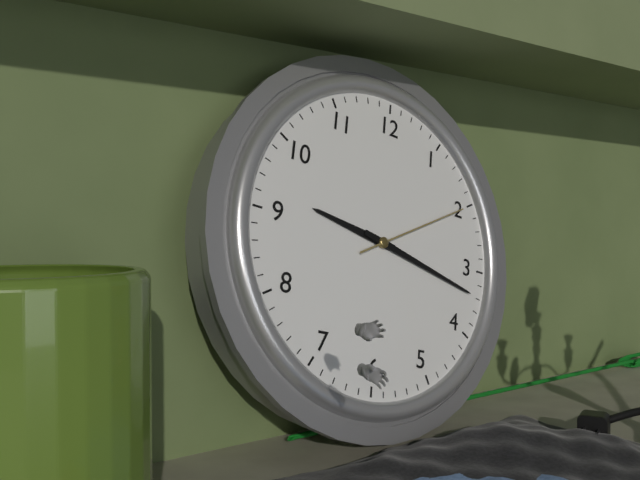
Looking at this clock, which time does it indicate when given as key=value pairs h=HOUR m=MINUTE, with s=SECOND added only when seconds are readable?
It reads h=9 m=17 s=10
